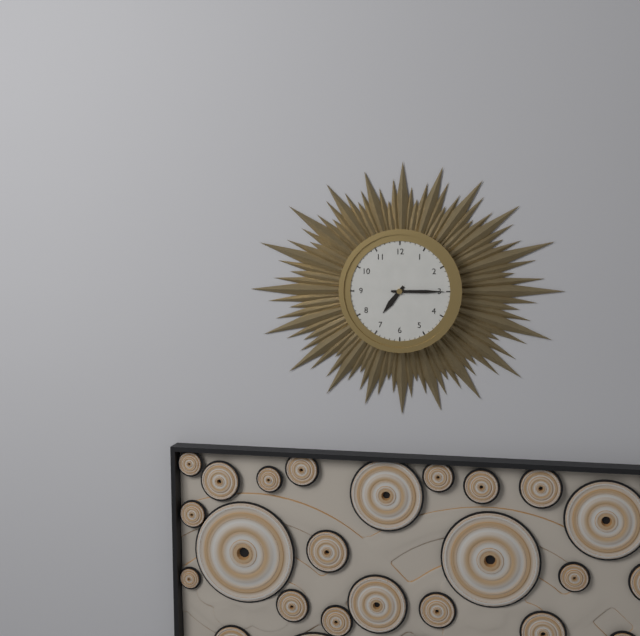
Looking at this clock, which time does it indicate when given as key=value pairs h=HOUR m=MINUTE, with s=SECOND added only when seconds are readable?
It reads h=7 m=15
